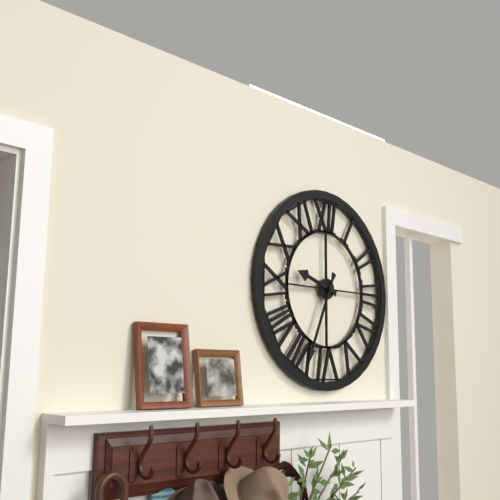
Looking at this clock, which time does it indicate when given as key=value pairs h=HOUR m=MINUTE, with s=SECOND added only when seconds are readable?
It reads h=9 m=34
